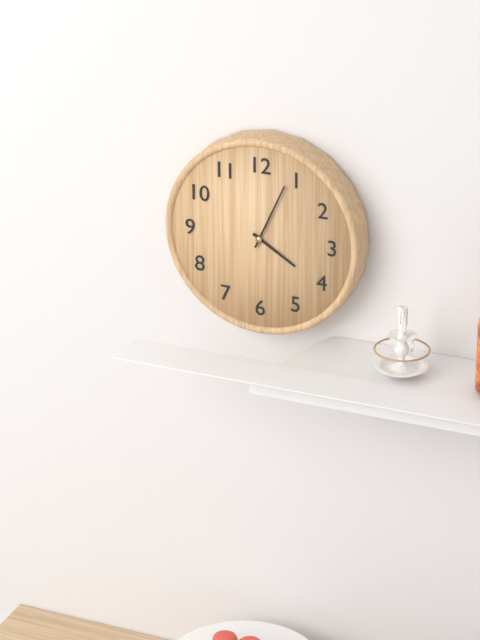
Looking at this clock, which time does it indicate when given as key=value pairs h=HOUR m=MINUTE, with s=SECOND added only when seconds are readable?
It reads h=4 m=4
